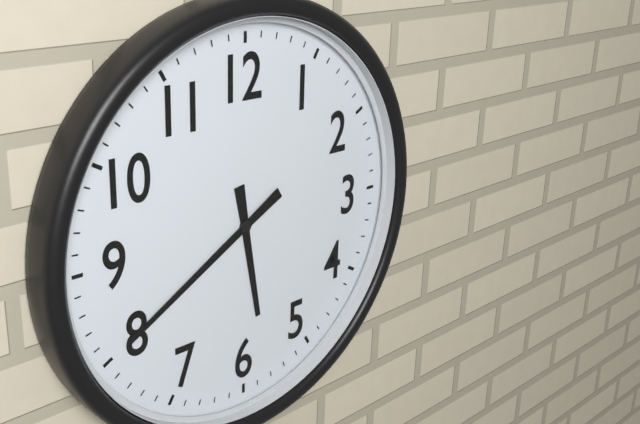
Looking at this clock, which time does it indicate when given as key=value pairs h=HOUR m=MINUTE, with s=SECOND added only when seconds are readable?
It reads h=5 m=40
